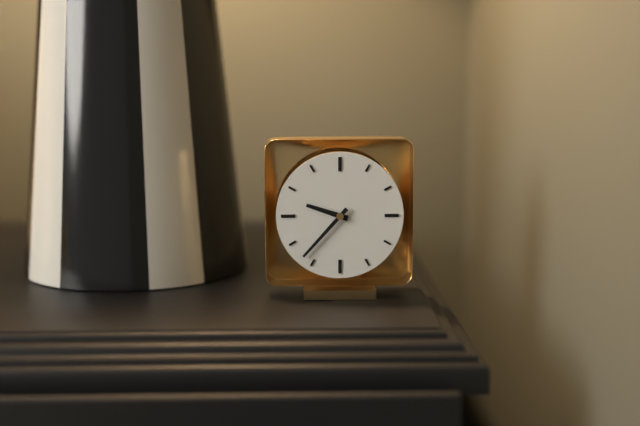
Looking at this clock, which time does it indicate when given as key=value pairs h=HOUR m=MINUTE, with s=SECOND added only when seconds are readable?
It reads h=9 m=37
